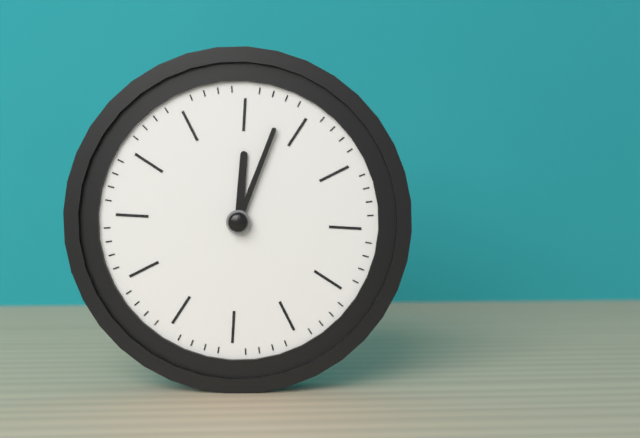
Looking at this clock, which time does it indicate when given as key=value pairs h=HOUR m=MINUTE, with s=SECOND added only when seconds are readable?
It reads h=12 m=3
